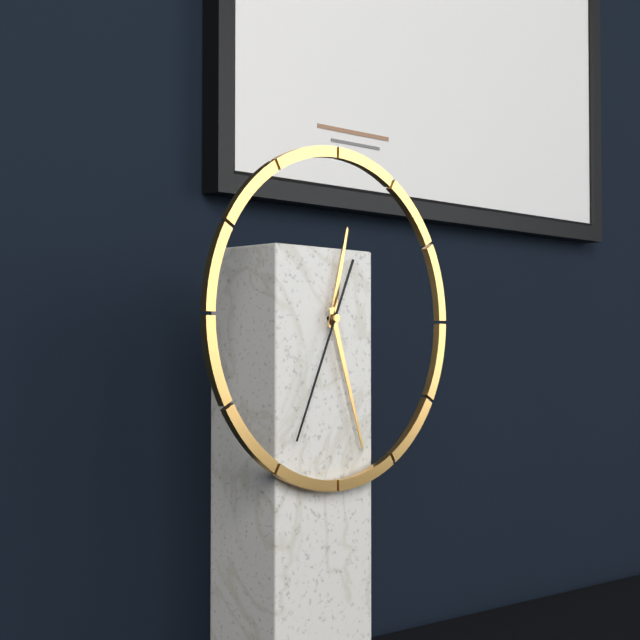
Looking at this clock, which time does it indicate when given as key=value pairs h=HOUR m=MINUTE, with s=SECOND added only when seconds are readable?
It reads h=12 m=27 s=34
